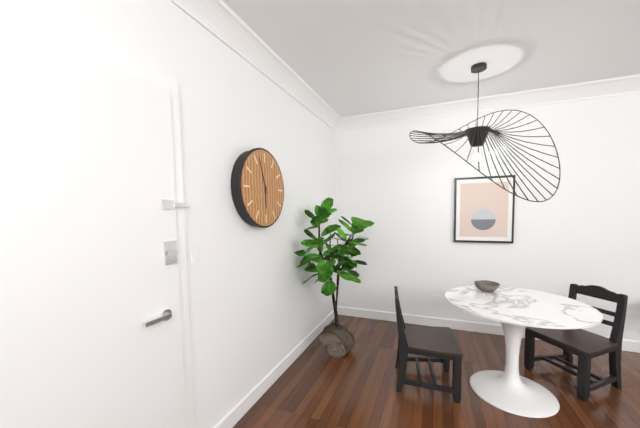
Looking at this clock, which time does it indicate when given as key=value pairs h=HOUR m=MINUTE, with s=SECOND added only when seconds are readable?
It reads h=5 m=57
